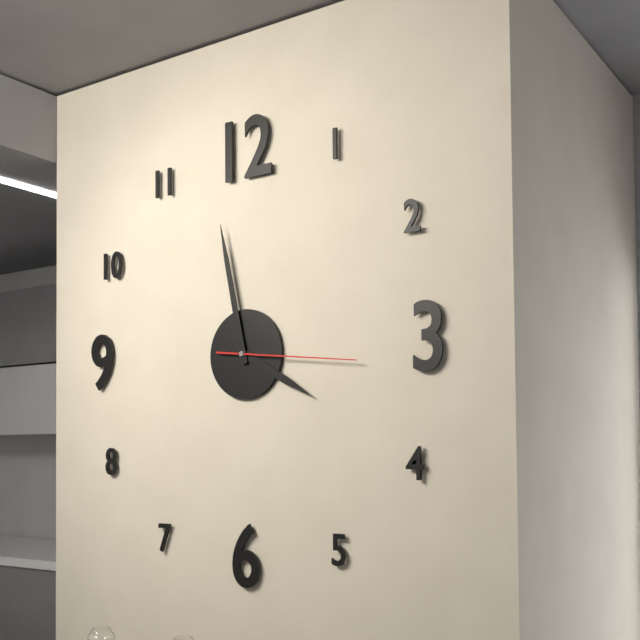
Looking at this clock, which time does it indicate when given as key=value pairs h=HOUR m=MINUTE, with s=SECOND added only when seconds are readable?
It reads h=3 m=58 s=16
